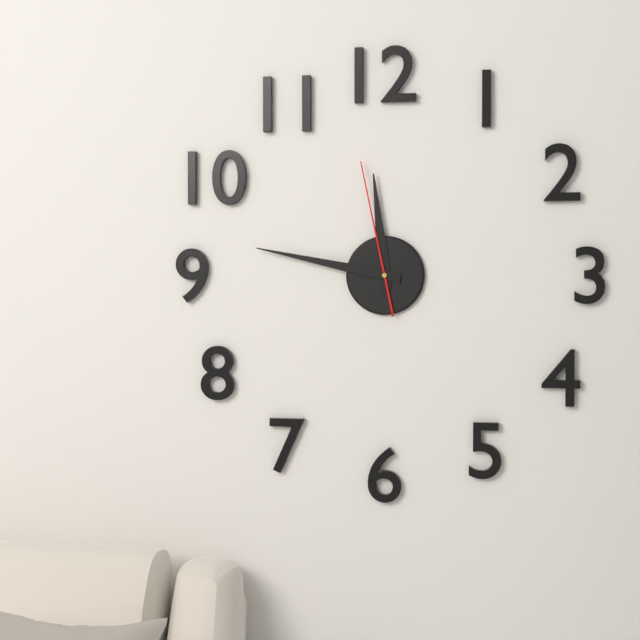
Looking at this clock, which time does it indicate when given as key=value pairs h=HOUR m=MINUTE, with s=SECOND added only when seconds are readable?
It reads h=11 m=47 s=58
